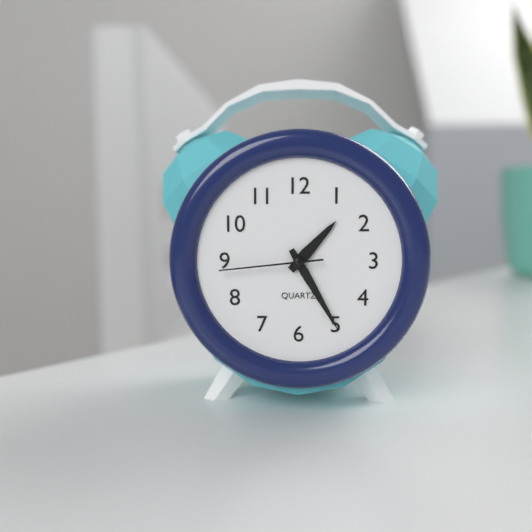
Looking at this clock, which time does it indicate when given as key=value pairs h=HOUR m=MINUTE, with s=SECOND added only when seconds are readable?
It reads h=1 m=25 s=44
